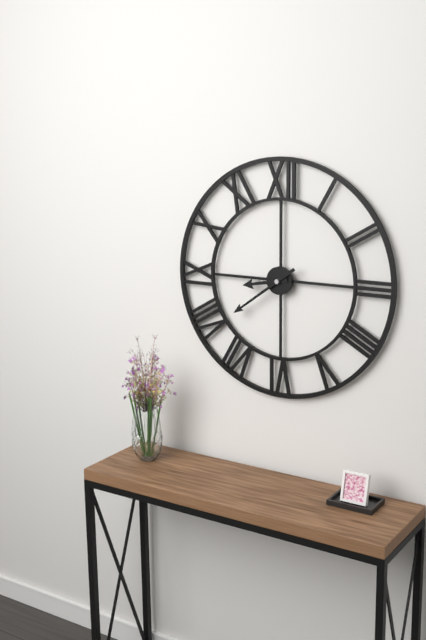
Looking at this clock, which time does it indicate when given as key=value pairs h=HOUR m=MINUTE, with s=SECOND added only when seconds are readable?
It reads h=8 m=39
